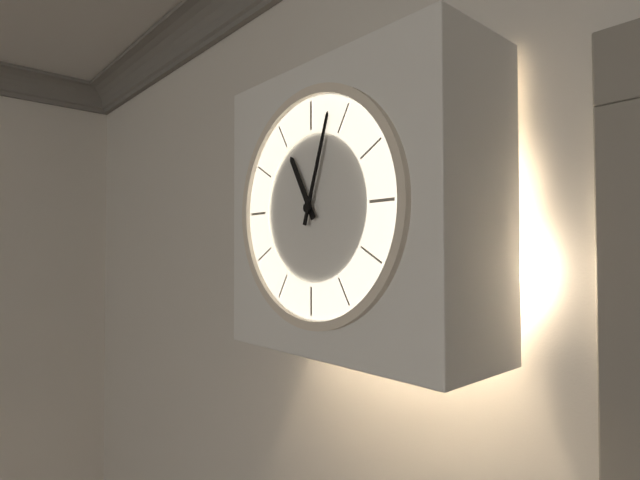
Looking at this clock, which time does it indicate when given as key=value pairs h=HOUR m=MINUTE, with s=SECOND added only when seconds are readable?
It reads h=11 m=3
